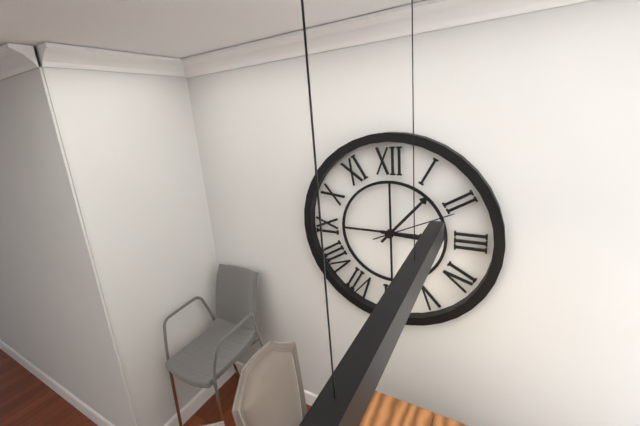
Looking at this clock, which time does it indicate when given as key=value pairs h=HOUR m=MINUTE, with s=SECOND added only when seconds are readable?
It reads h=3 m=7 s=11
